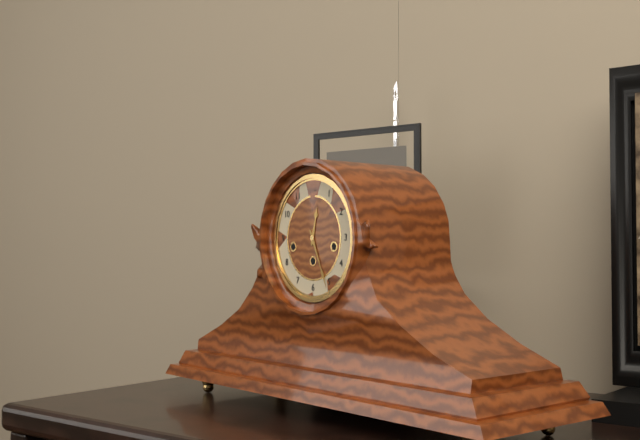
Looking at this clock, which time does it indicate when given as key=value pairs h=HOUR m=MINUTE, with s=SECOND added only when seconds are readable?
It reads h=12 m=26
